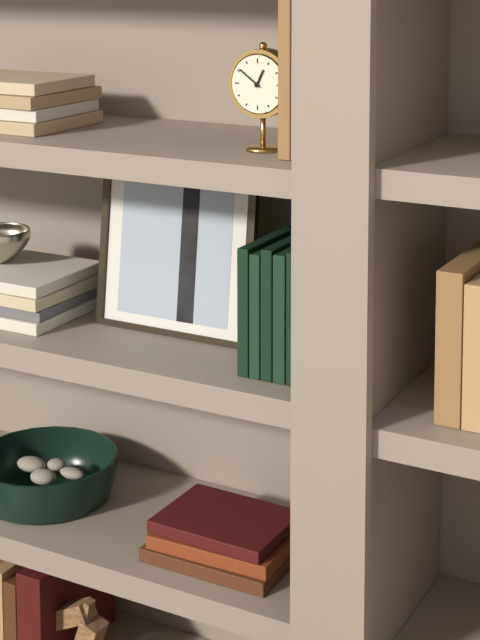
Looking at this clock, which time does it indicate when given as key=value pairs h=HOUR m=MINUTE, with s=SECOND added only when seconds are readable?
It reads h=12 m=51
